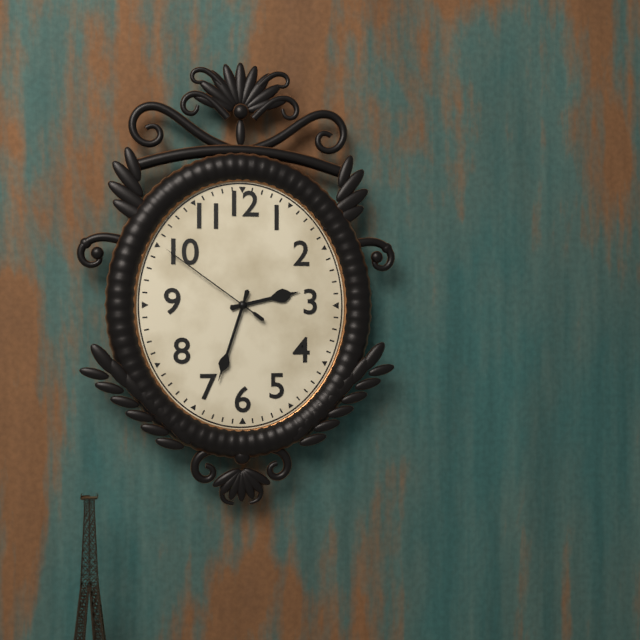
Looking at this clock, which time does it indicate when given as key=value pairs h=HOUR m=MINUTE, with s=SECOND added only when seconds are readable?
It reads h=2 m=33 s=51
